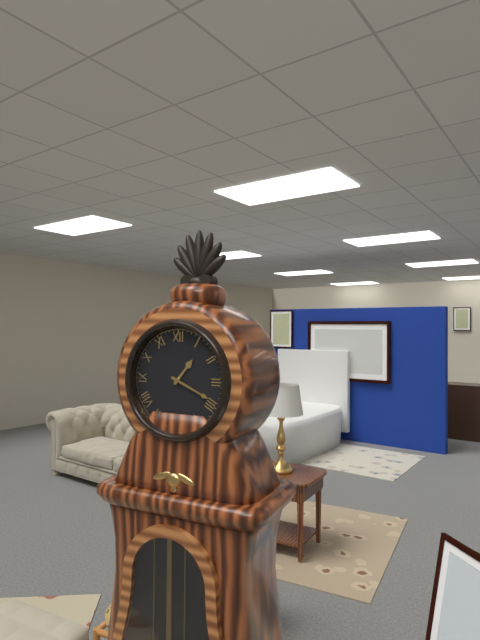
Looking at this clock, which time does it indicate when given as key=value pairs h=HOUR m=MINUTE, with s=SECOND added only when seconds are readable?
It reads h=1 m=19
